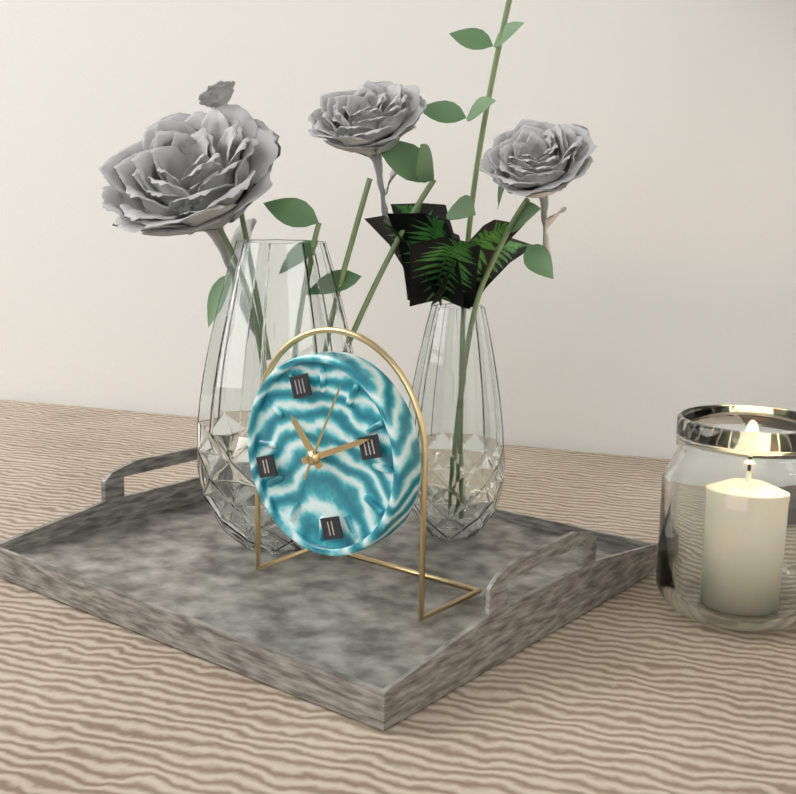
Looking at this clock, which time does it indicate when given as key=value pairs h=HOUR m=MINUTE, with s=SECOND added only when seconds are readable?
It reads h=11 m=14 s=7
